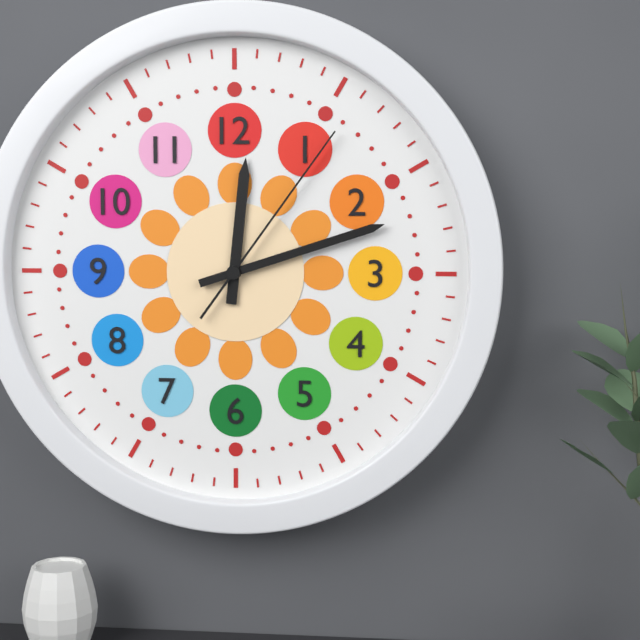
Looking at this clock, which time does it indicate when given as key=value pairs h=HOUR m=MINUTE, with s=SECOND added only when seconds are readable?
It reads h=12 m=12 s=6
